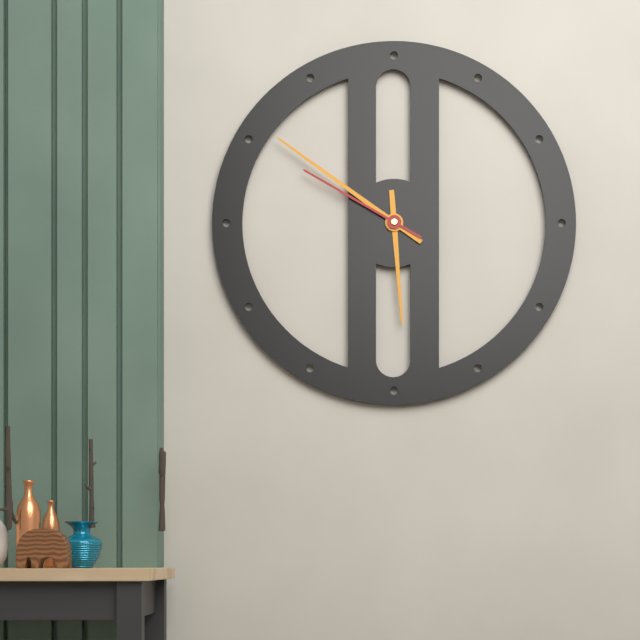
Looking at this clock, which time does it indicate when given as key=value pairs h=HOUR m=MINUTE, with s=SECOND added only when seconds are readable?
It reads h=5 m=51 s=50
